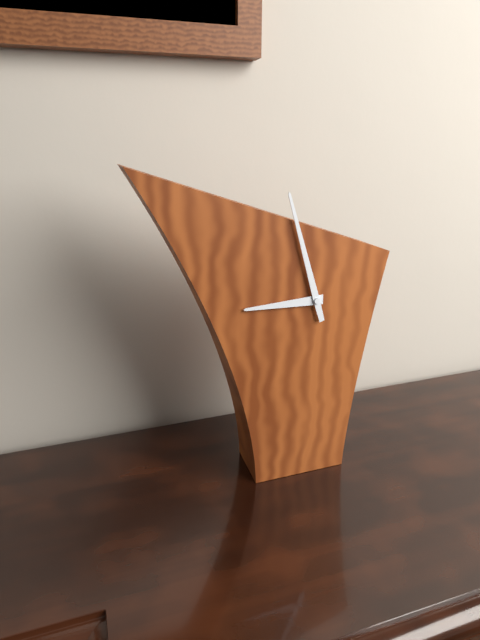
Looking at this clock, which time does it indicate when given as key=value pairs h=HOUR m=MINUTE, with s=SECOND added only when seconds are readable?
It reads h=8 m=57
